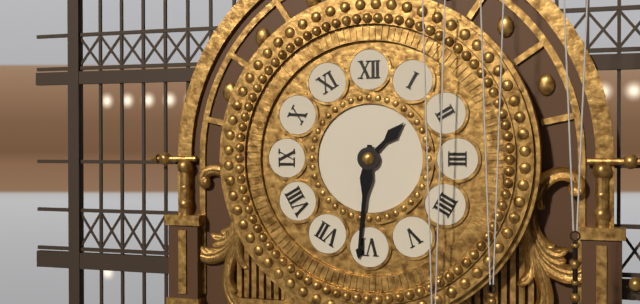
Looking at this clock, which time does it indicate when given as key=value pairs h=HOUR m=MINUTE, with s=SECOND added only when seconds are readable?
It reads h=1 m=31
